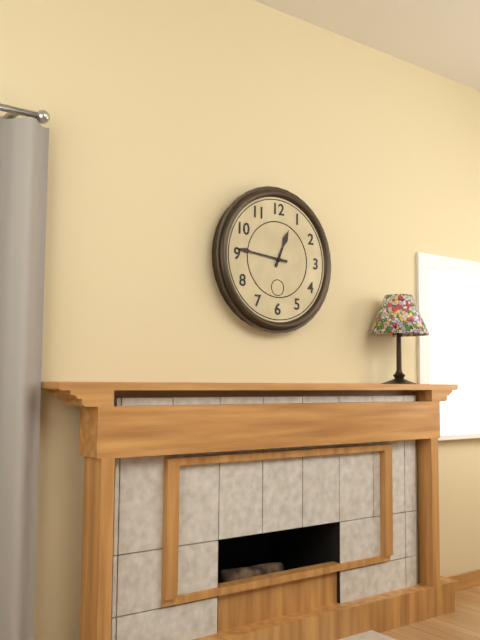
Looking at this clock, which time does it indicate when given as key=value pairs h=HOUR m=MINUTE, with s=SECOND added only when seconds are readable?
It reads h=12 m=46
